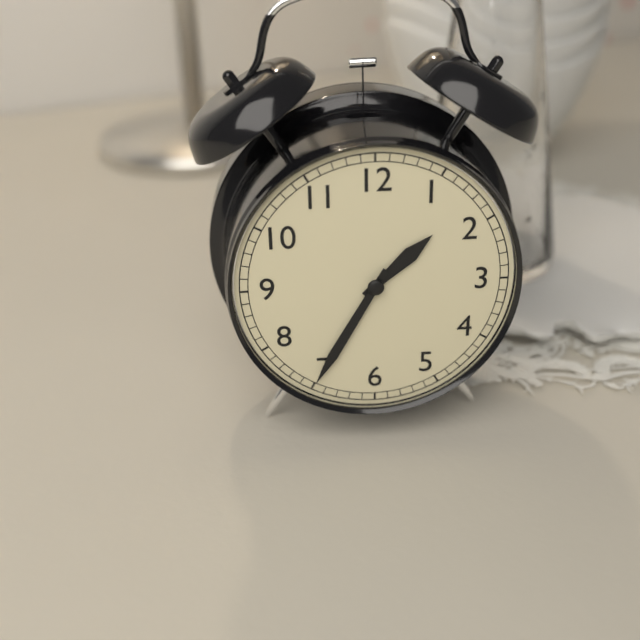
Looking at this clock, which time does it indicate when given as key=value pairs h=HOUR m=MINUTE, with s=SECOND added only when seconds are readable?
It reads h=1 m=35
